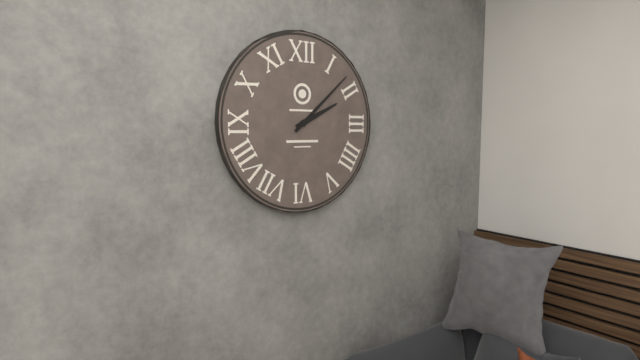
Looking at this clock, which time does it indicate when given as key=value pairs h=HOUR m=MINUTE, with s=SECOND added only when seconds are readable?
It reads h=2 m=8
